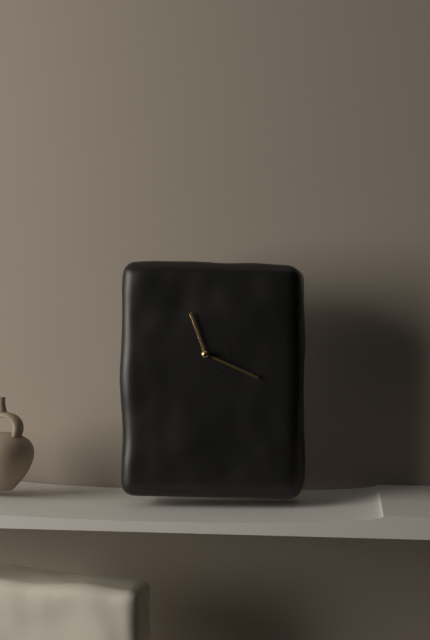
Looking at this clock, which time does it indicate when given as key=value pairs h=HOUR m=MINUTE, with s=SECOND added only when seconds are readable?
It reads h=11 m=19
